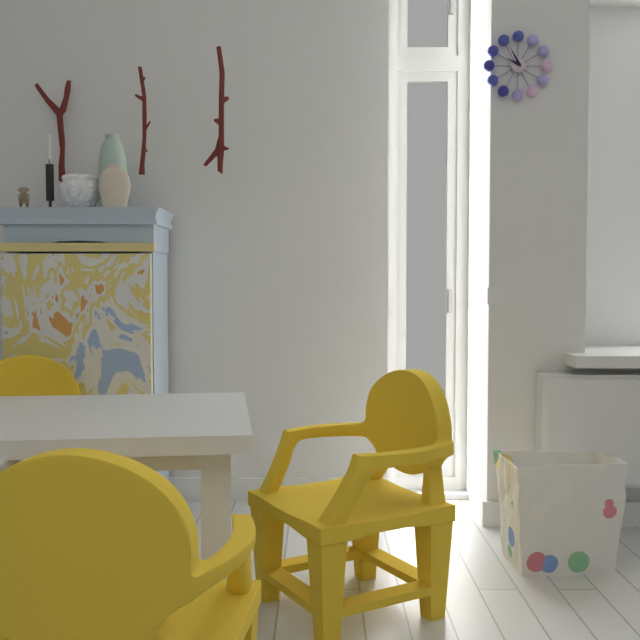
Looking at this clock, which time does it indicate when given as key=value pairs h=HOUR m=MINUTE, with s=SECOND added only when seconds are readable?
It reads h=9 m=55
